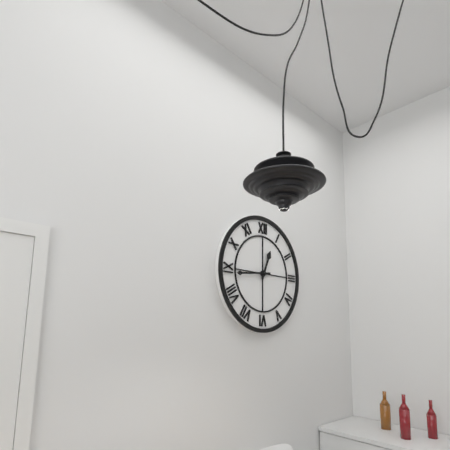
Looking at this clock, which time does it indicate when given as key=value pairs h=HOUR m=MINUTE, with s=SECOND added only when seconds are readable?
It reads h=12 m=44
